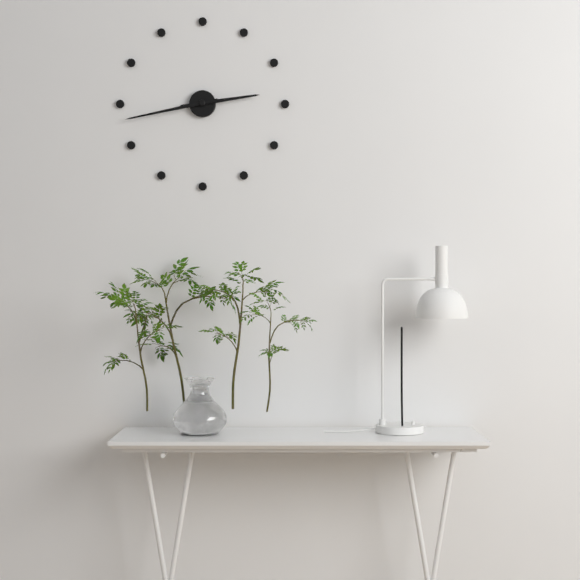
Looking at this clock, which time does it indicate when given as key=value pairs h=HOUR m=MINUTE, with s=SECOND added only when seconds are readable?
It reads h=2 m=43
